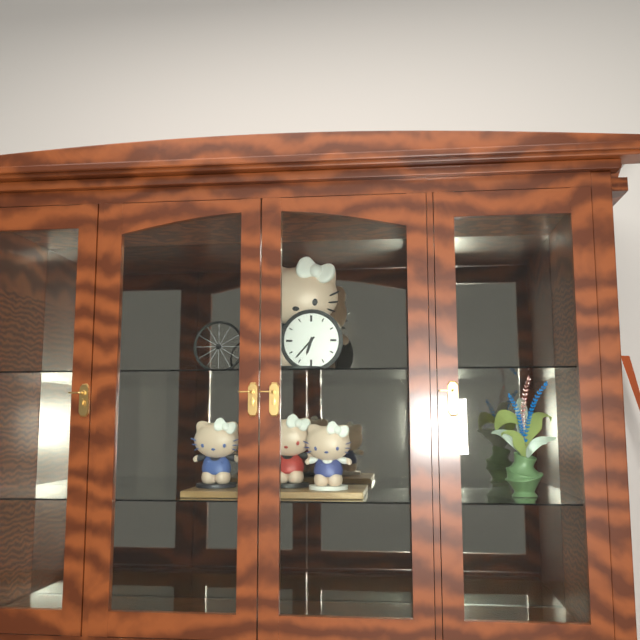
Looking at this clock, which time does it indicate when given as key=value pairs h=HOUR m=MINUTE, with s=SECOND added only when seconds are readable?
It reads h=6 m=37
